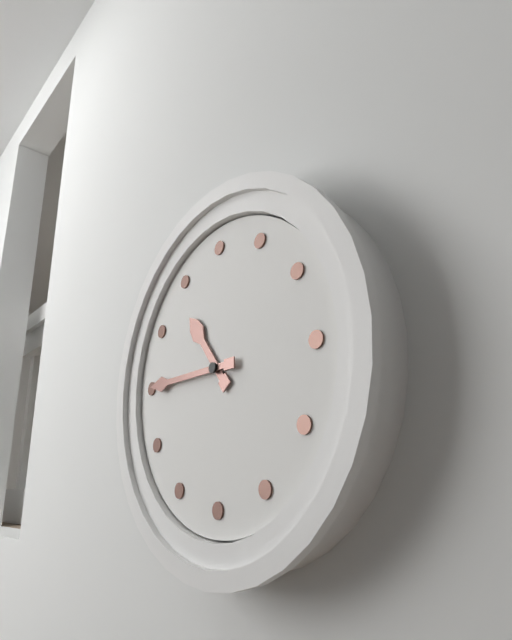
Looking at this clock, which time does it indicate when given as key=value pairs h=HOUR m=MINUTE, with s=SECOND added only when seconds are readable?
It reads h=10 m=45
